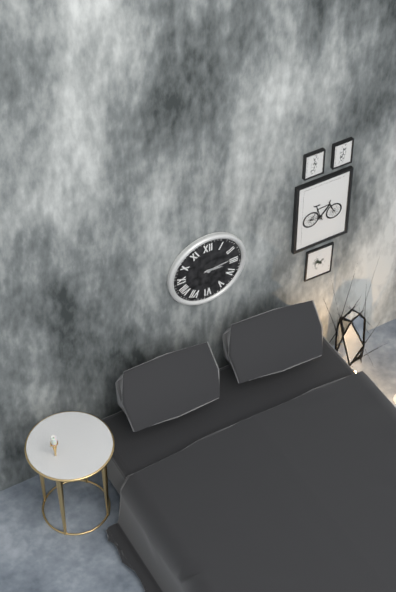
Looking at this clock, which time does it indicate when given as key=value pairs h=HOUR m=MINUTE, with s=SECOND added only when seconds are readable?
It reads h=3 m=14
